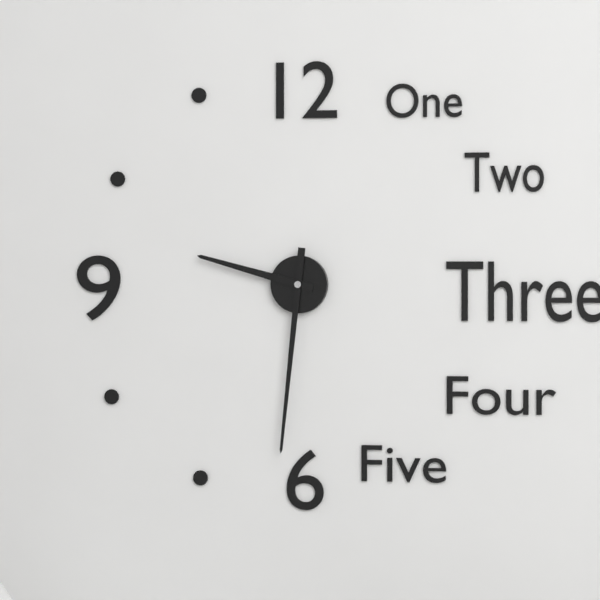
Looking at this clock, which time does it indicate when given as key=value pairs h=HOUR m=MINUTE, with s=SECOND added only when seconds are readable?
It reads h=9 m=31
